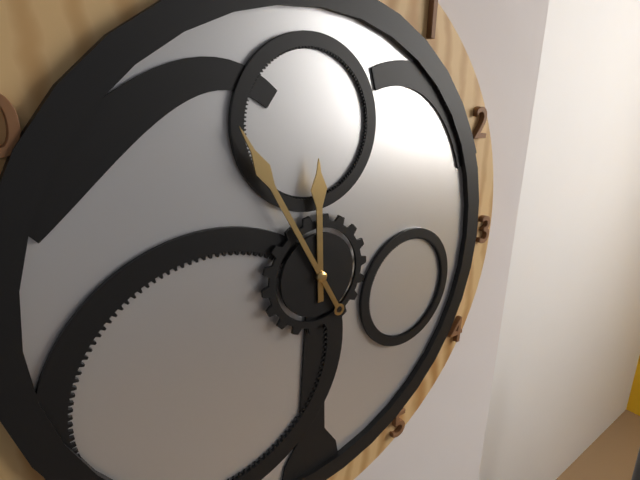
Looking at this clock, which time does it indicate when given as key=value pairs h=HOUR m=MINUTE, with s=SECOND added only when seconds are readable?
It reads h=11 m=55
